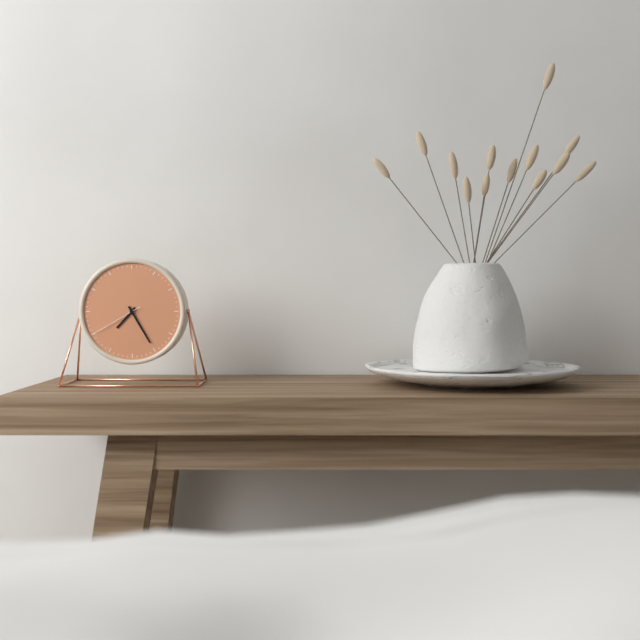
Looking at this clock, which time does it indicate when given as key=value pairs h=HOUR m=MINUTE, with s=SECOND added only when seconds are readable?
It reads h=7 m=25 s=40
